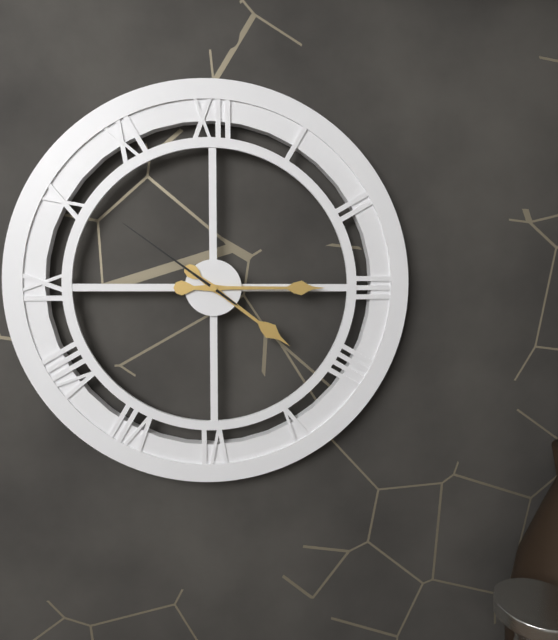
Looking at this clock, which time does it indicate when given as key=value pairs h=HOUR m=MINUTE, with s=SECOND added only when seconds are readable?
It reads h=4 m=15 s=51
